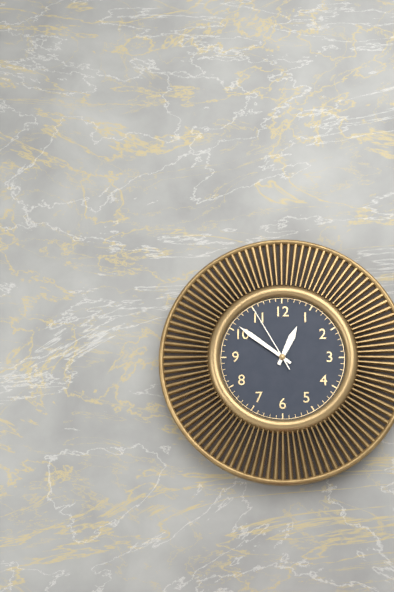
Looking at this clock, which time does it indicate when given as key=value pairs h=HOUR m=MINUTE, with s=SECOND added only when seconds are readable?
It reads h=12 m=51 s=55
